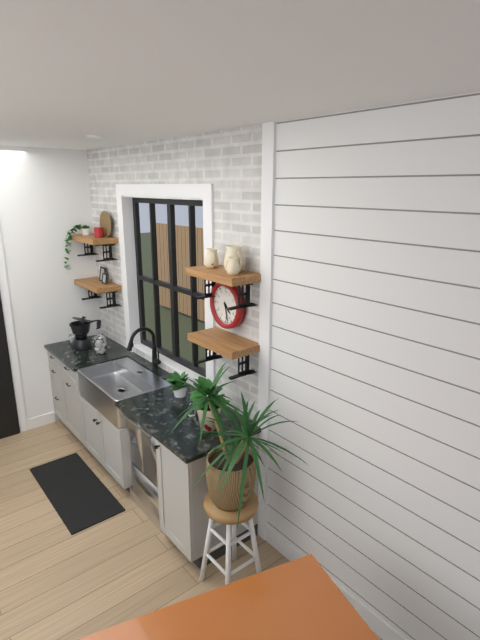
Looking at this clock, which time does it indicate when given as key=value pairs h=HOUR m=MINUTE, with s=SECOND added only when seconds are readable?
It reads h=4 m=28
